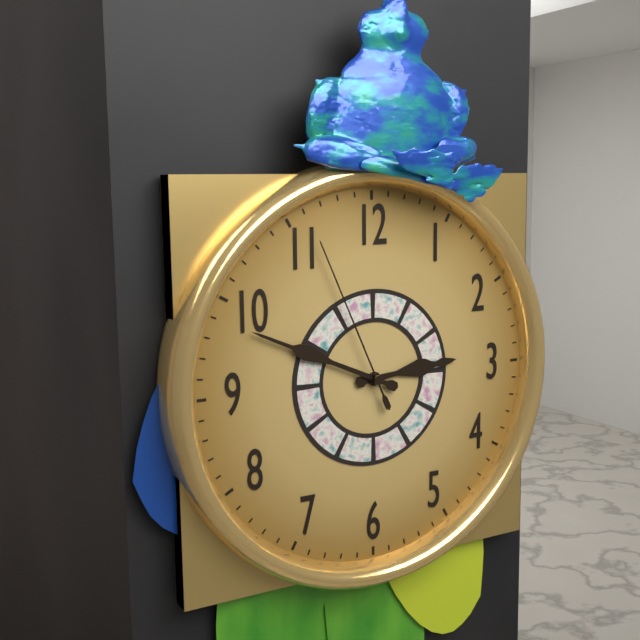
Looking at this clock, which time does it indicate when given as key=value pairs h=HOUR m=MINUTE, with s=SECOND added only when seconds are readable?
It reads h=2 m=49 s=56
